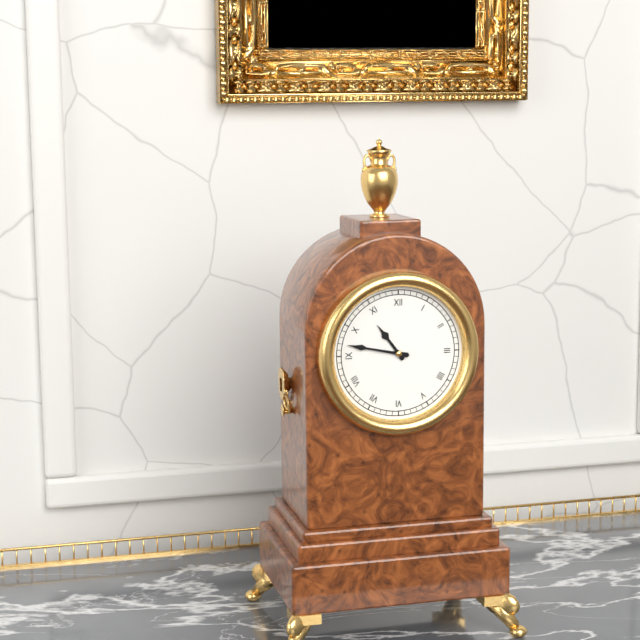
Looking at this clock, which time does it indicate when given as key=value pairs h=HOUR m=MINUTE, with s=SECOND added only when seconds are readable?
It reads h=10 m=47
